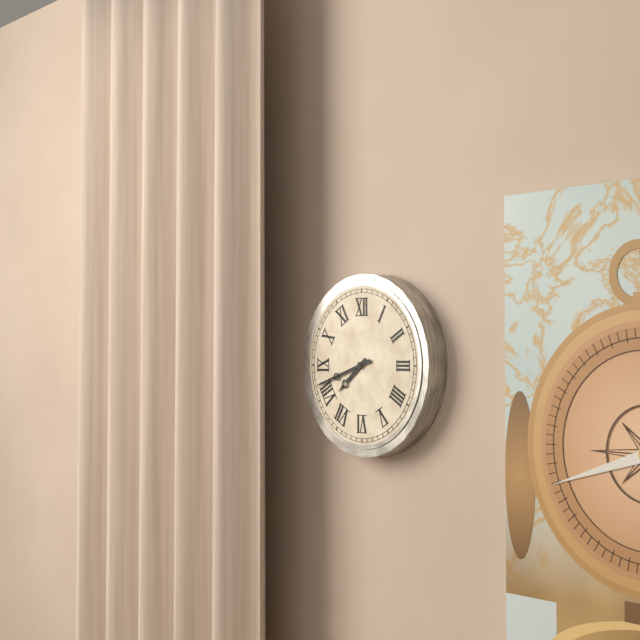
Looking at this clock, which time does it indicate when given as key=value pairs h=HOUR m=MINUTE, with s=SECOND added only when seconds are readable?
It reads h=7 m=42
